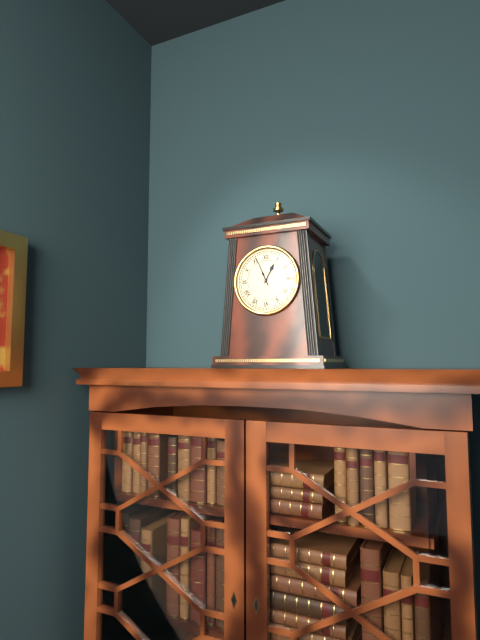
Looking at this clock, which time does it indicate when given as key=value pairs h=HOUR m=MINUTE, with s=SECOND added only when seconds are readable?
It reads h=12 m=56
